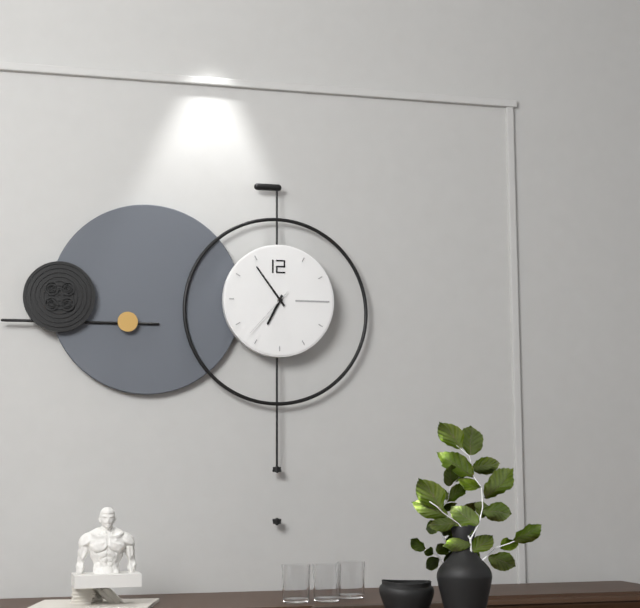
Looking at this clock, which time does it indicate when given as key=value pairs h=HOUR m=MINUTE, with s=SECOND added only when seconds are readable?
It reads h=6 m=54
